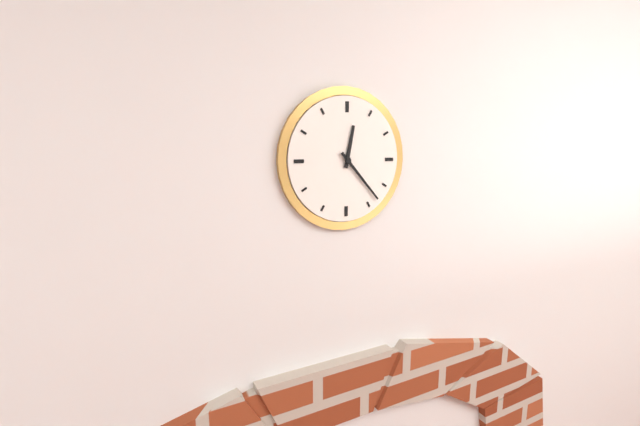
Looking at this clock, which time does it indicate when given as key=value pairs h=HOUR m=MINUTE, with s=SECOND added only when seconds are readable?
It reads h=12 m=23
